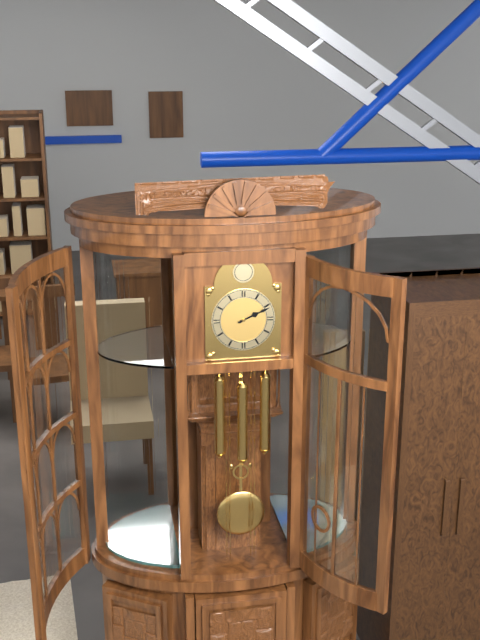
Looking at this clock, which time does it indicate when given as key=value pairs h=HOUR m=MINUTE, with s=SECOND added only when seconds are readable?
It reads h=2 m=11
